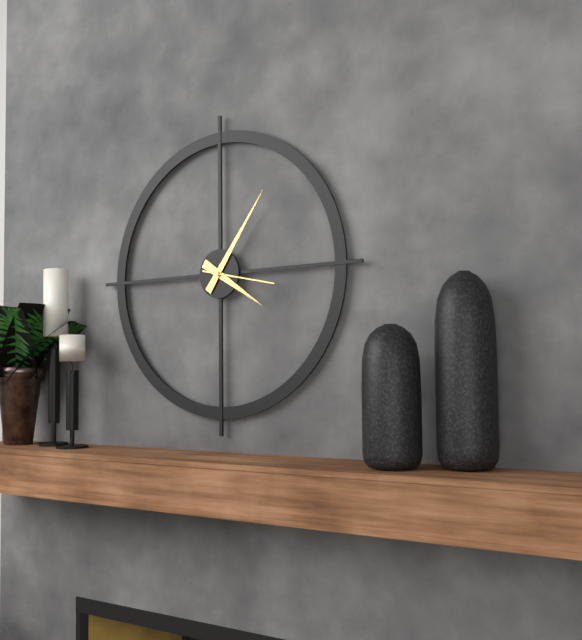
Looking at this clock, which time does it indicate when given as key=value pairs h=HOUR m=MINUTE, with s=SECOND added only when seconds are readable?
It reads h=4 m=6 s=17
